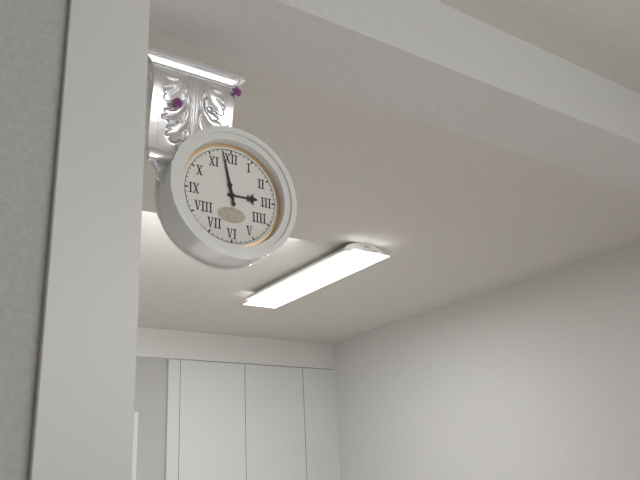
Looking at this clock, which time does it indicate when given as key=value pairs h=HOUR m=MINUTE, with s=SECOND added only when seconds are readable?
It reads h=2 m=58
